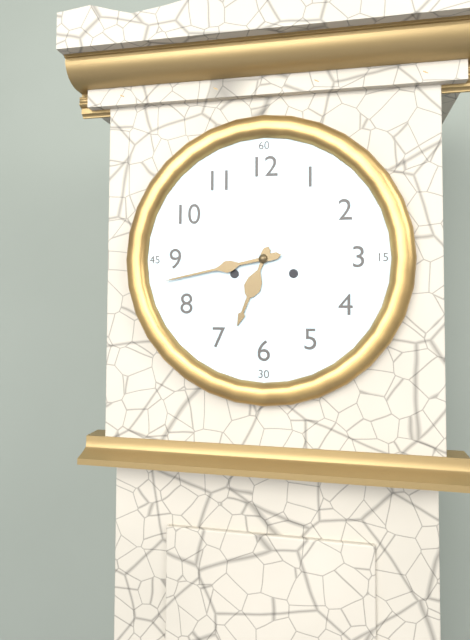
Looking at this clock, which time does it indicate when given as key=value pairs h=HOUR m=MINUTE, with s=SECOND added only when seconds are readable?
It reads h=6 m=43
